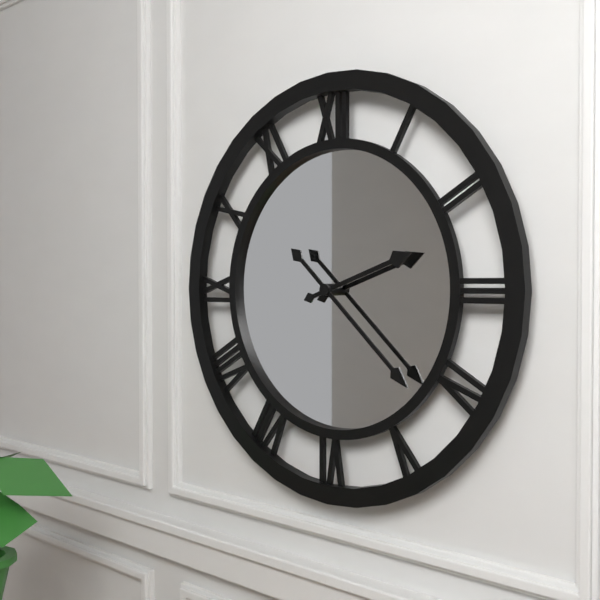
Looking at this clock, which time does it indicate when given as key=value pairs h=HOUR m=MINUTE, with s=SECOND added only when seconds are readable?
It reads h=2 m=22
